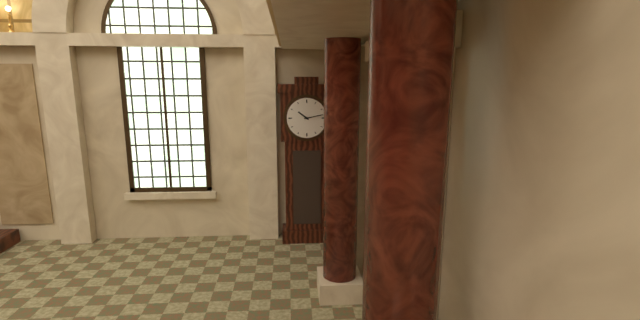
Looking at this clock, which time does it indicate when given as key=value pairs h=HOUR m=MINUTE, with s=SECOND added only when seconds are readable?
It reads h=10 m=13
